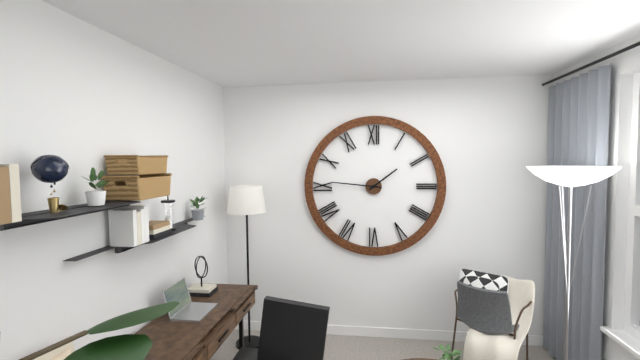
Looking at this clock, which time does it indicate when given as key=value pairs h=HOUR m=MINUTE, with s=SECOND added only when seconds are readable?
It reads h=1 m=46
